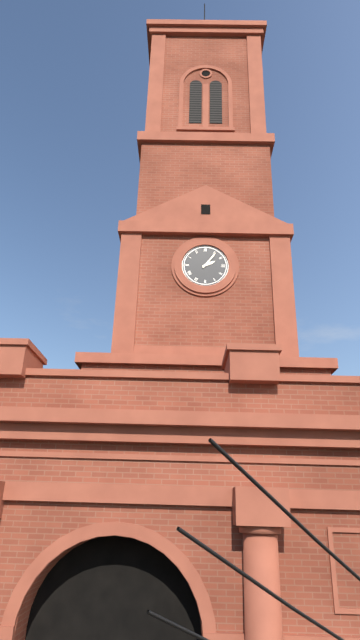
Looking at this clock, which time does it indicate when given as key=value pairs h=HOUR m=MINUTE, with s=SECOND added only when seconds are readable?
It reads h=2 m=6
